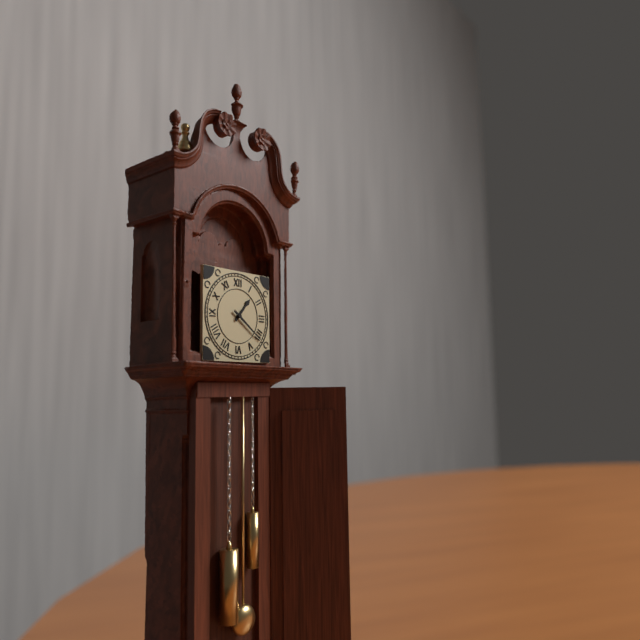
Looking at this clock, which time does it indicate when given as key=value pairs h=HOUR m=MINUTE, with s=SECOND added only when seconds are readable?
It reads h=1 m=21
